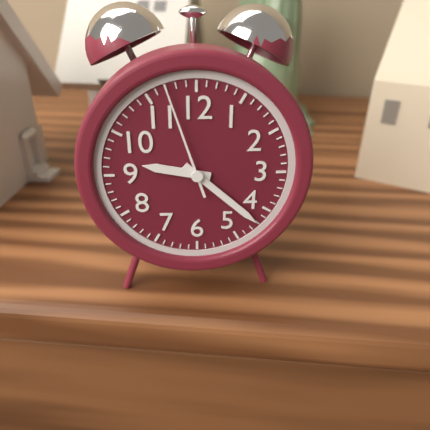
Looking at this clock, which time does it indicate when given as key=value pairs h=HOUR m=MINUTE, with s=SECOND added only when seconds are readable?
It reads h=9 m=22 s=57
